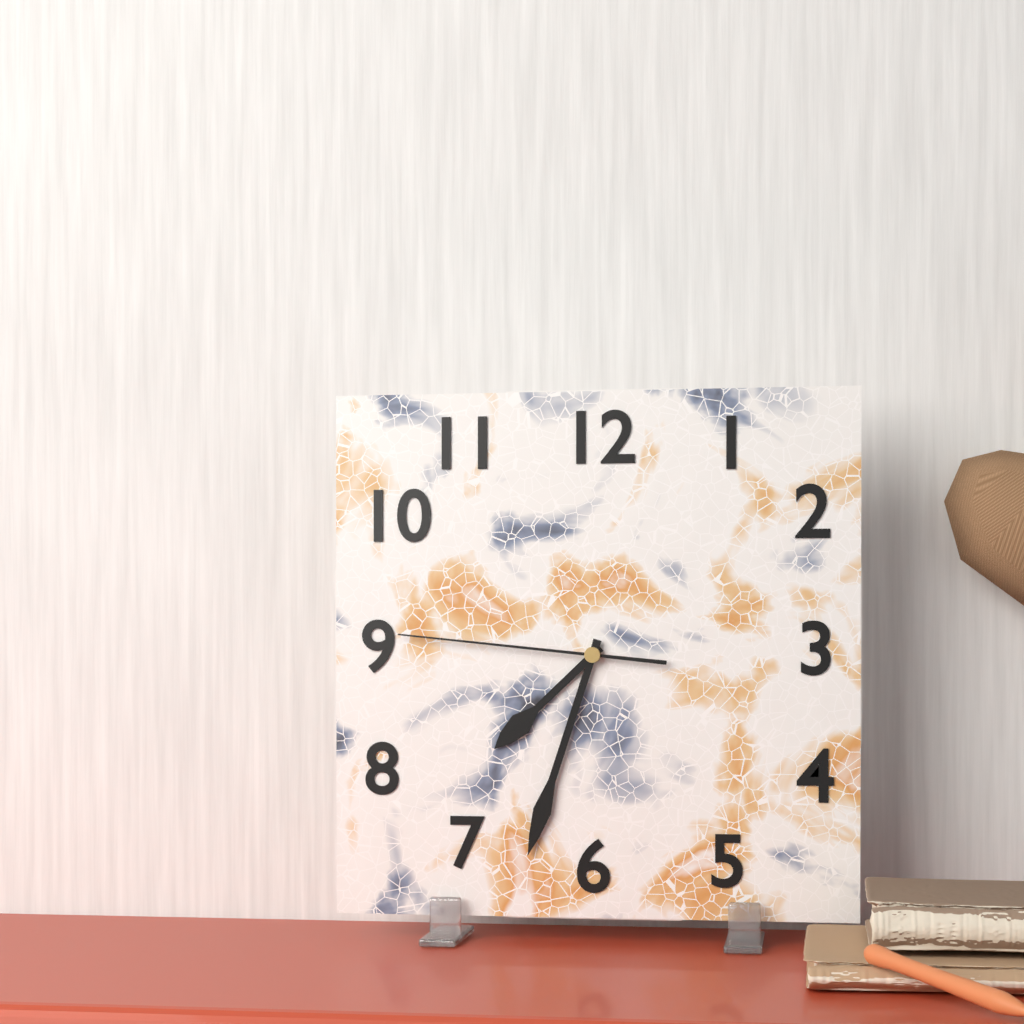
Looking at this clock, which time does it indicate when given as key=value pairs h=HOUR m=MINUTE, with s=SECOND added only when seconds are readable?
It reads h=7 m=33 s=46
